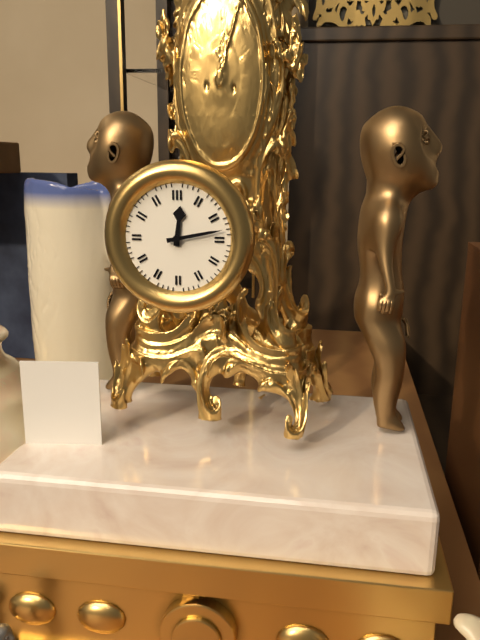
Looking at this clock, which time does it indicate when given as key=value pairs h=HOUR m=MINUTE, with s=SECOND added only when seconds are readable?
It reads h=12 m=13
